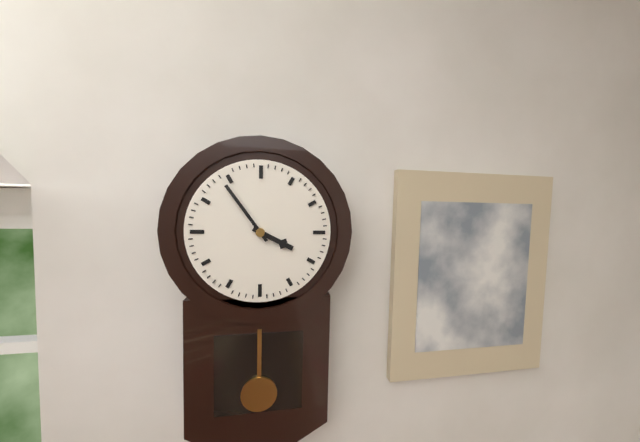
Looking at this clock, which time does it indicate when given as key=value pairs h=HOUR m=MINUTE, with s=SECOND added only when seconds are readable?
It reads h=3 m=54
